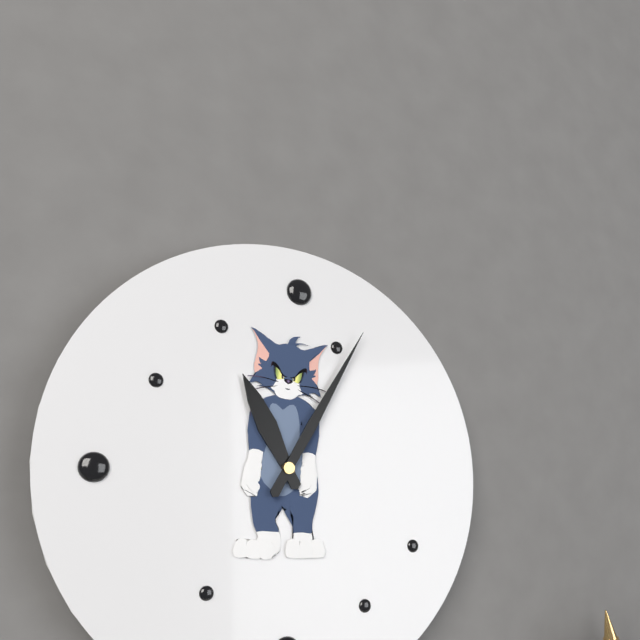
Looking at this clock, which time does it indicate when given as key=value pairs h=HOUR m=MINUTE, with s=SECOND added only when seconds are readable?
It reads h=11 m=5
